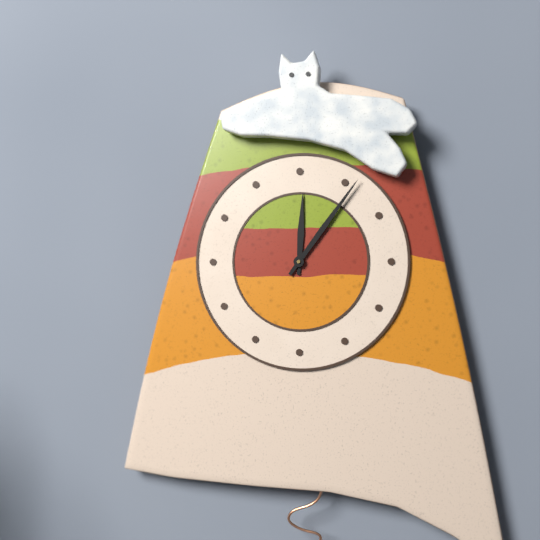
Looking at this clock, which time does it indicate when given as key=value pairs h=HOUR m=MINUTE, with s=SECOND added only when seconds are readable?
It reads h=12 m=6
